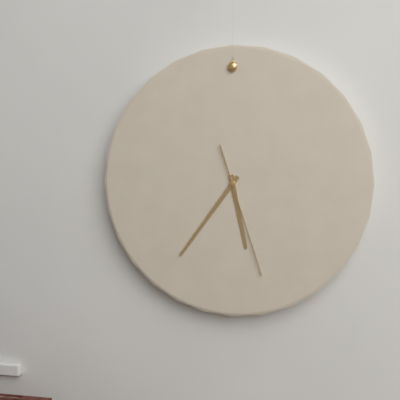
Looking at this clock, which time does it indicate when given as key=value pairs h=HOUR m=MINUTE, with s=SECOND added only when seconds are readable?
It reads h=5 m=36 s=27
